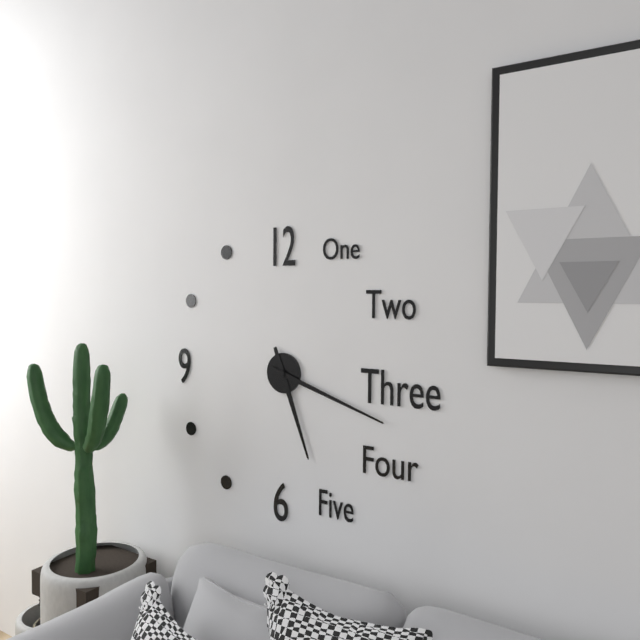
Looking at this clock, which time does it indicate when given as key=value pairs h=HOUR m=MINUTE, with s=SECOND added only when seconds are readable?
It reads h=5 m=18
